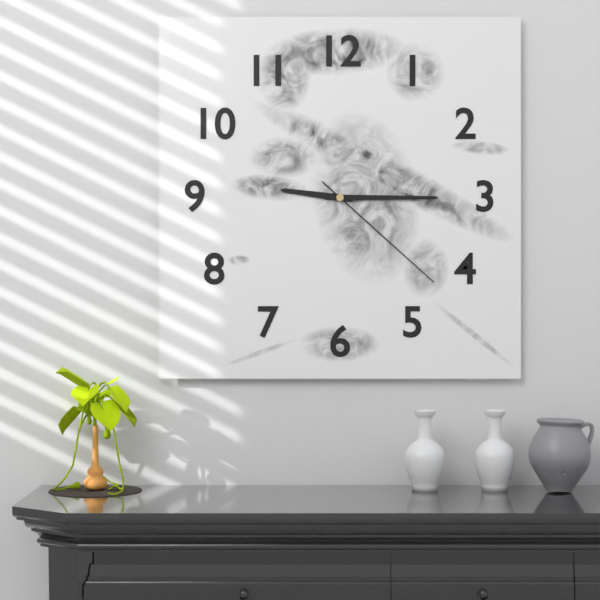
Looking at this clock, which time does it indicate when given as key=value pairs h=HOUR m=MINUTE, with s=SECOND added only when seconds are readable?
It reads h=9 m=15 s=22
